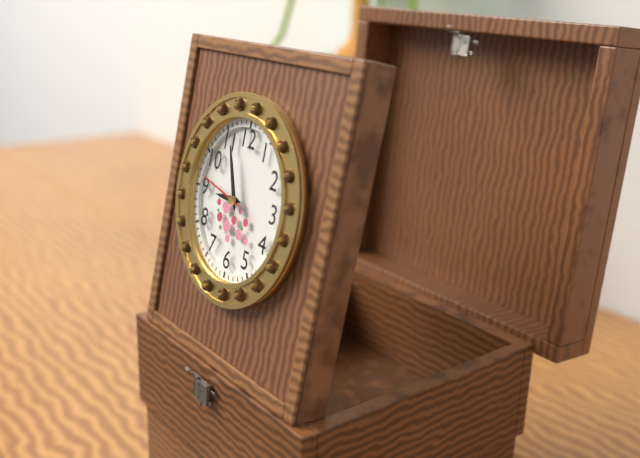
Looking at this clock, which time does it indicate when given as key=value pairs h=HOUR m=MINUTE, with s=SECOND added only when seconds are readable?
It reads h=8 m=56
